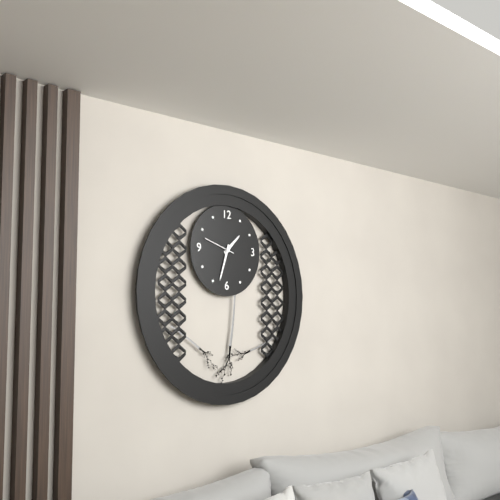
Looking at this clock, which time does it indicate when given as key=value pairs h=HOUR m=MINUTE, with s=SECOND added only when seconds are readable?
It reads h=1 m=33
